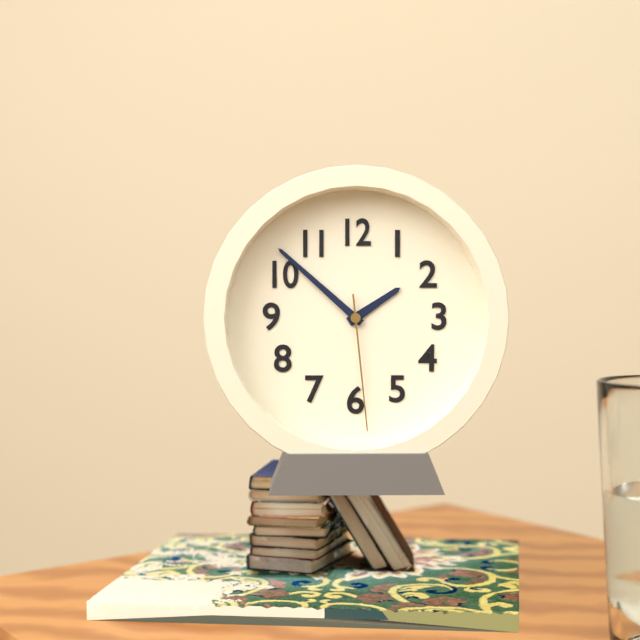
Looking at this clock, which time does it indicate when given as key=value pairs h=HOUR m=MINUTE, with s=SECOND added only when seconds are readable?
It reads h=1 m=52 s=29
